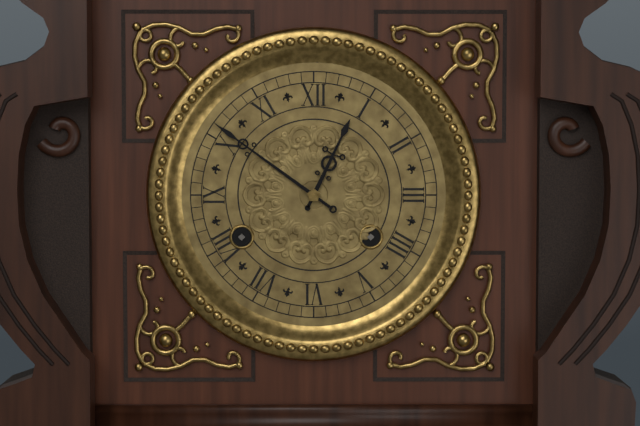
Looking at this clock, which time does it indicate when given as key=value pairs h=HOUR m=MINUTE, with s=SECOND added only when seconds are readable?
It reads h=12 m=51
